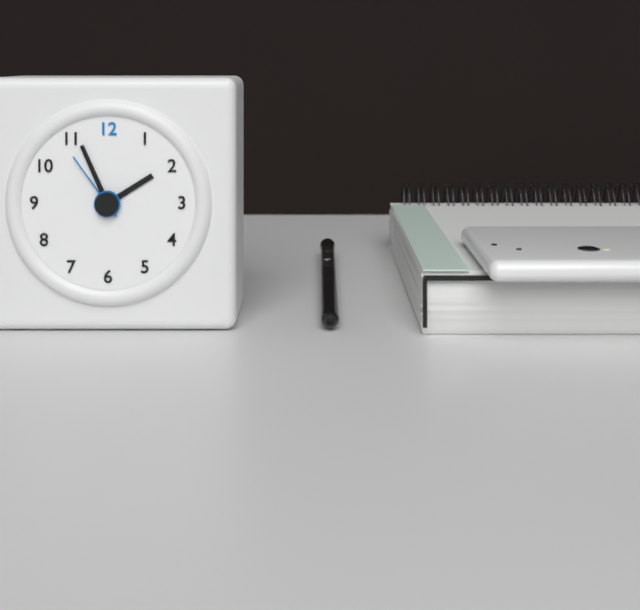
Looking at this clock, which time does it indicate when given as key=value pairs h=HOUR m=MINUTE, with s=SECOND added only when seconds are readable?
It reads h=1 m=56 s=54
